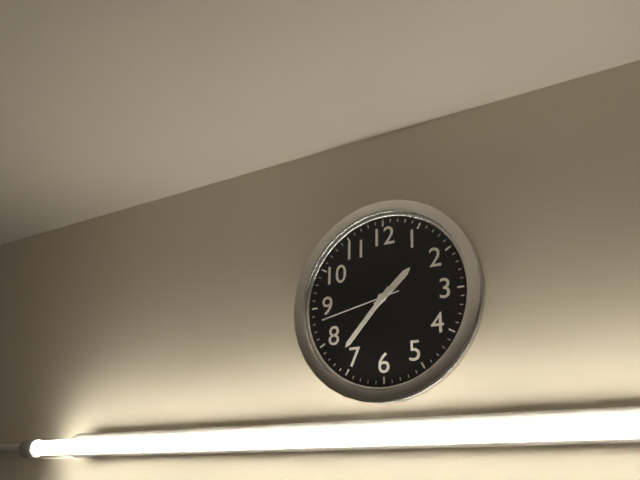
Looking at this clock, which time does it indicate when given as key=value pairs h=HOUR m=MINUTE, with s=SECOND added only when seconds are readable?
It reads h=1 m=37 s=43
